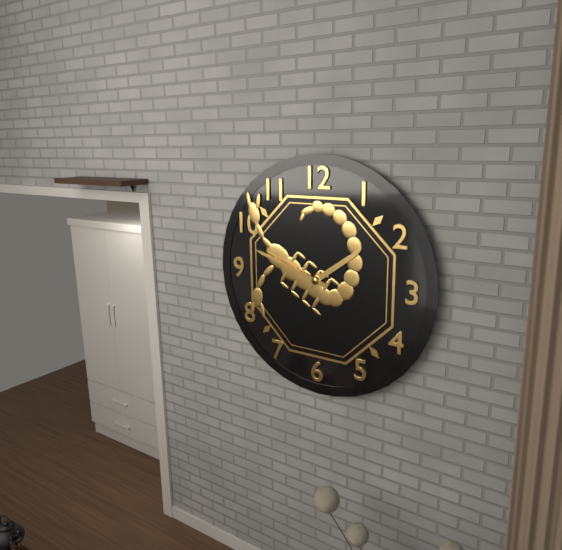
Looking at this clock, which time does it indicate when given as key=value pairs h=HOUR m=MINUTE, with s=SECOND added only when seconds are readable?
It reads h=1 m=48
